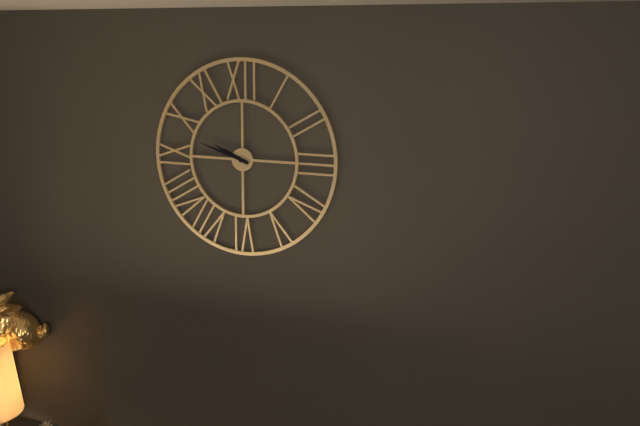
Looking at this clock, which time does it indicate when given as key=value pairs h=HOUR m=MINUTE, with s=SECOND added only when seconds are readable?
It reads h=9 m=48
